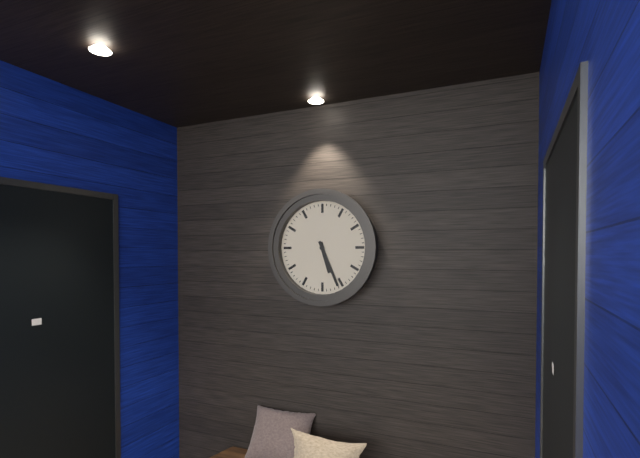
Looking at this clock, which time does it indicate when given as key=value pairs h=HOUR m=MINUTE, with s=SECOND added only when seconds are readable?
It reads h=5 m=26
